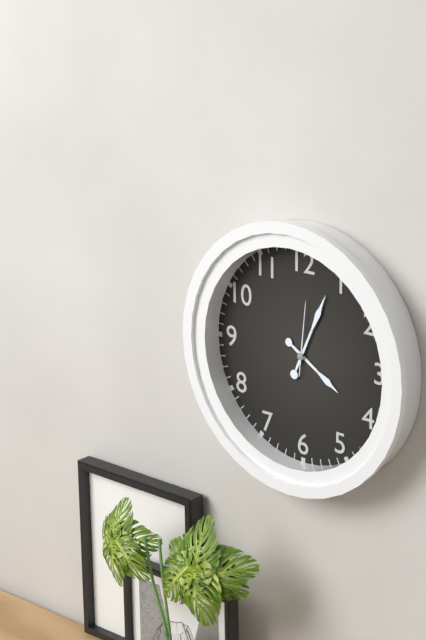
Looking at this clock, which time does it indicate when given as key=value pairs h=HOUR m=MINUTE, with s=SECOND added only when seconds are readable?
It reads h=4 m=4 s=1
